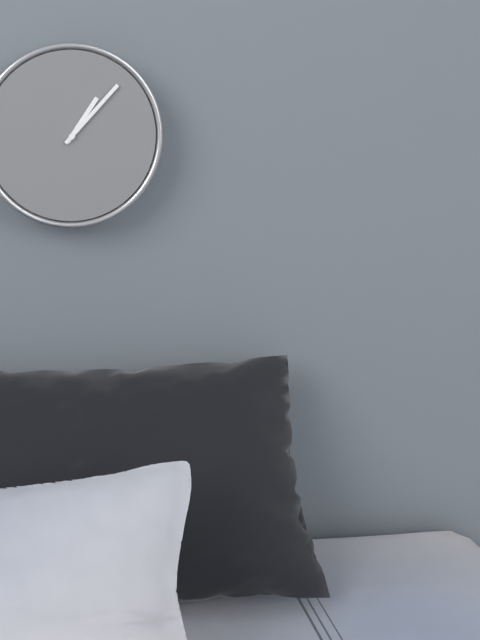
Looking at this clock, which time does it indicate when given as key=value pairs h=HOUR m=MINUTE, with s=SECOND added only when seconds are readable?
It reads h=1 m=7
